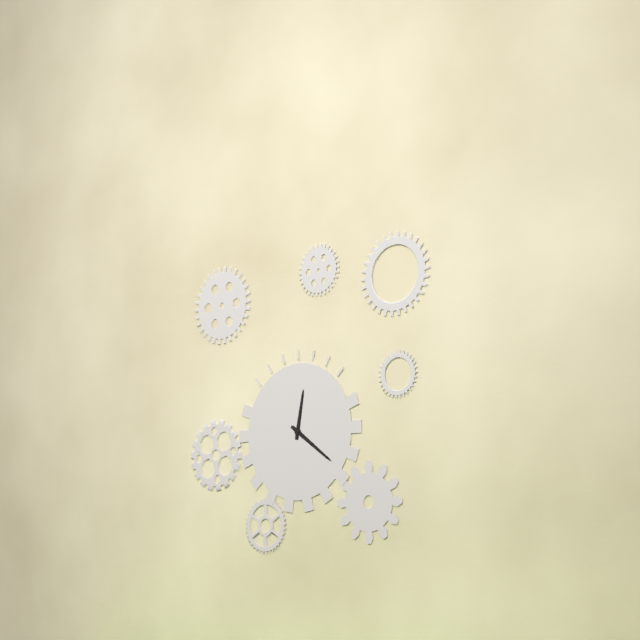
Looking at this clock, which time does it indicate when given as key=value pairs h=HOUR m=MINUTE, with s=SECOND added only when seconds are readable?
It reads h=12 m=21
